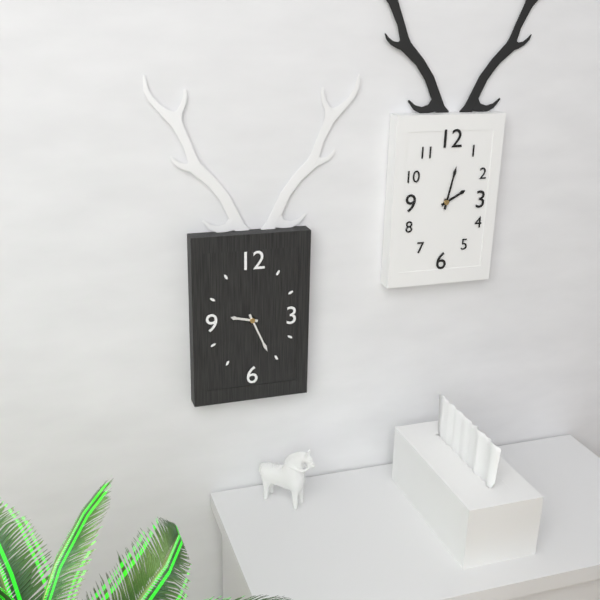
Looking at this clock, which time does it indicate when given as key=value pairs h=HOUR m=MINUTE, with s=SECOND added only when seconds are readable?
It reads h=9 m=26
